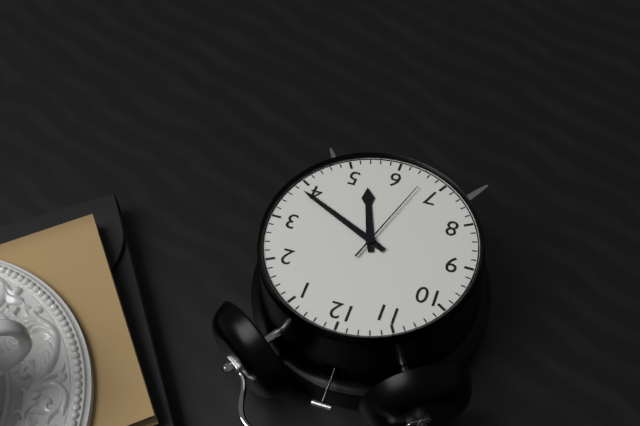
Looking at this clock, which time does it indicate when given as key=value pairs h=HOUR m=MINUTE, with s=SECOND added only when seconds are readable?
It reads h=5 m=19 s=33
